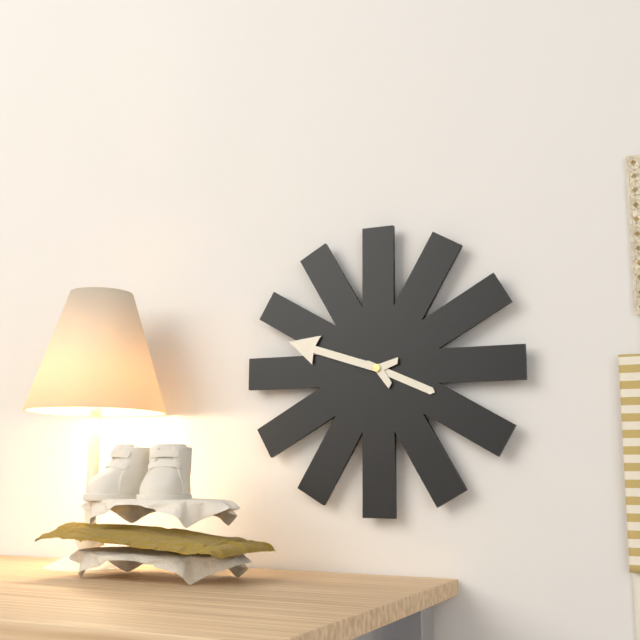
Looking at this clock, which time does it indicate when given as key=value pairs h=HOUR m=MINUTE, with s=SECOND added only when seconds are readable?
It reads h=3 m=48
